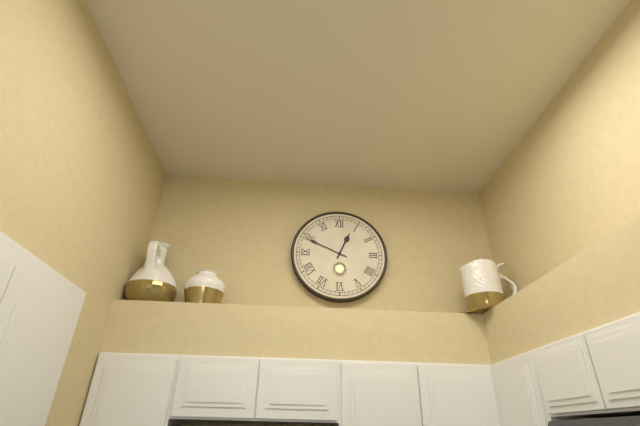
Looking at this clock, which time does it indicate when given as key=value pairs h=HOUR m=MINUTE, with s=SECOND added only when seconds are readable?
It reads h=12 m=49
